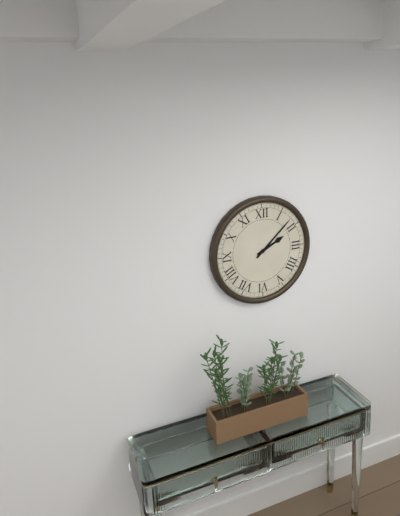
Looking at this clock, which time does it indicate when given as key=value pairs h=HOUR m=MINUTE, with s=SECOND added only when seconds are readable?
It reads h=2 m=8
